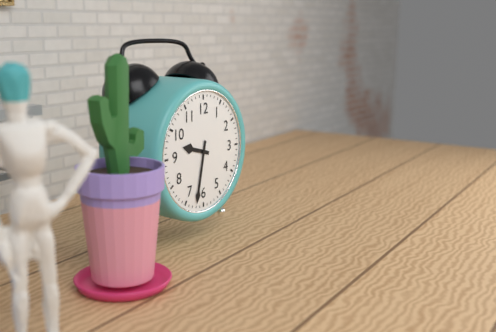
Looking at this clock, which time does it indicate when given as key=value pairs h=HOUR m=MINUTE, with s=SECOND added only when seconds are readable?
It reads h=9 m=32
